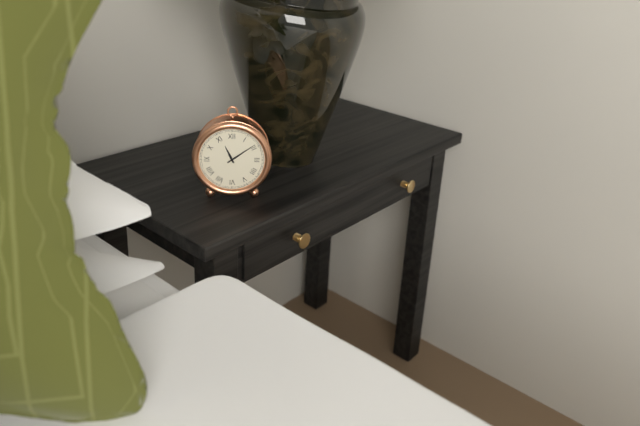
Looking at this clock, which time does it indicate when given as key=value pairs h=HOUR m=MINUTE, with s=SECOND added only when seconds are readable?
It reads h=11 m=9
